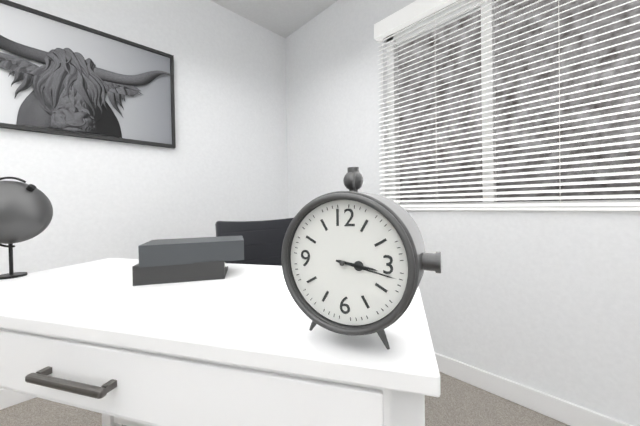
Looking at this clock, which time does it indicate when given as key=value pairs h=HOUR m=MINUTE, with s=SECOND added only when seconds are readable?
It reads h=3 m=17
